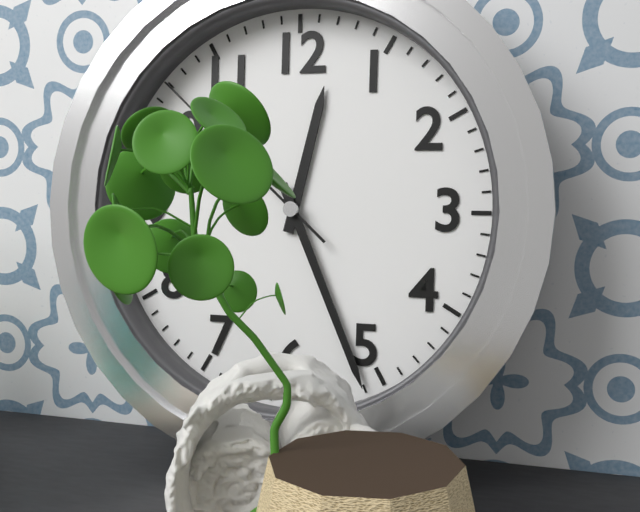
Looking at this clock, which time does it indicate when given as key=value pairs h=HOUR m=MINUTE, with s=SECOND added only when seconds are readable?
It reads h=12 m=26 s=52
